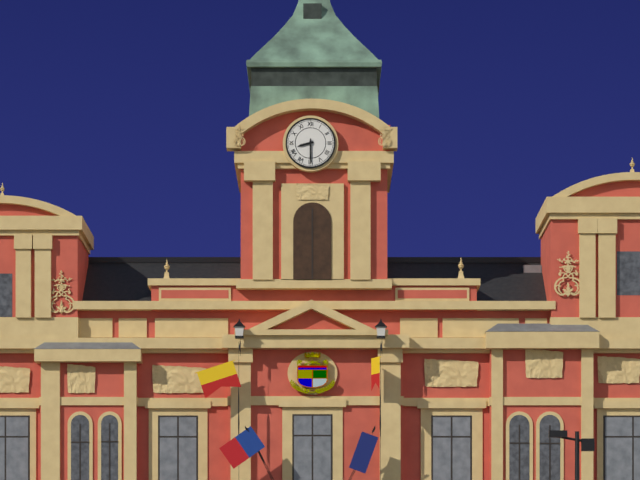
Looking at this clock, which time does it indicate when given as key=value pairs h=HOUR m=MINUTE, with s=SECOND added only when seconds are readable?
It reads h=8 m=30
